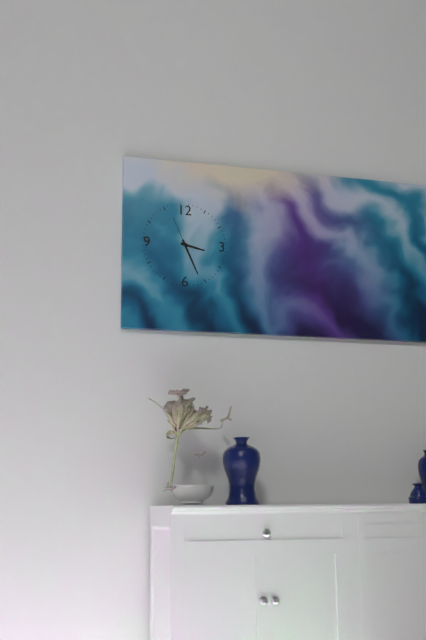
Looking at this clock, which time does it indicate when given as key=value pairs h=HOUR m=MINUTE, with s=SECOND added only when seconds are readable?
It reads h=3 m=26
